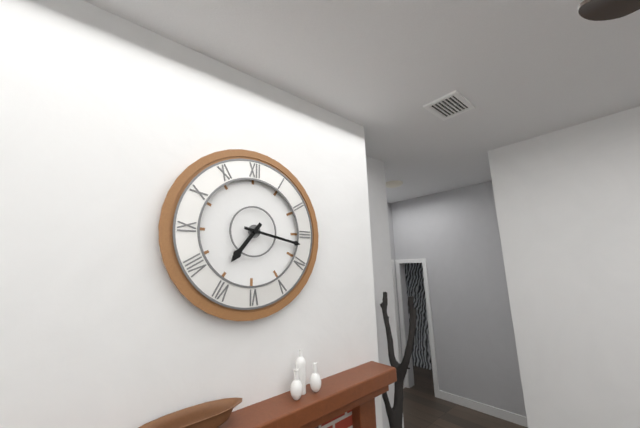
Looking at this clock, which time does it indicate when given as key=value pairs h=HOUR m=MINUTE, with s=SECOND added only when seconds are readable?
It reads h=7 m=17
